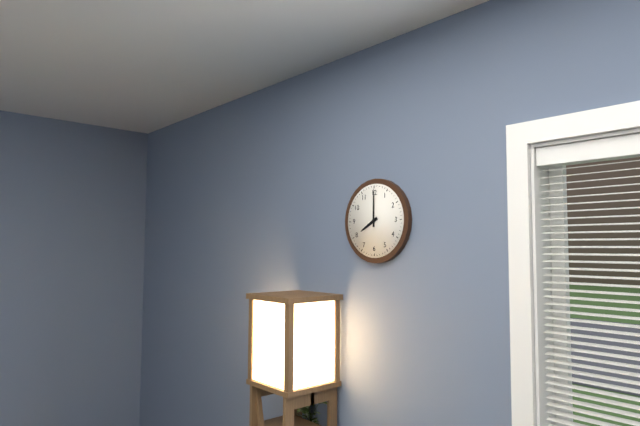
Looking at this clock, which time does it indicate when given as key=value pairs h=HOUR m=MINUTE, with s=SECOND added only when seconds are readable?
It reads h=8 m=0
